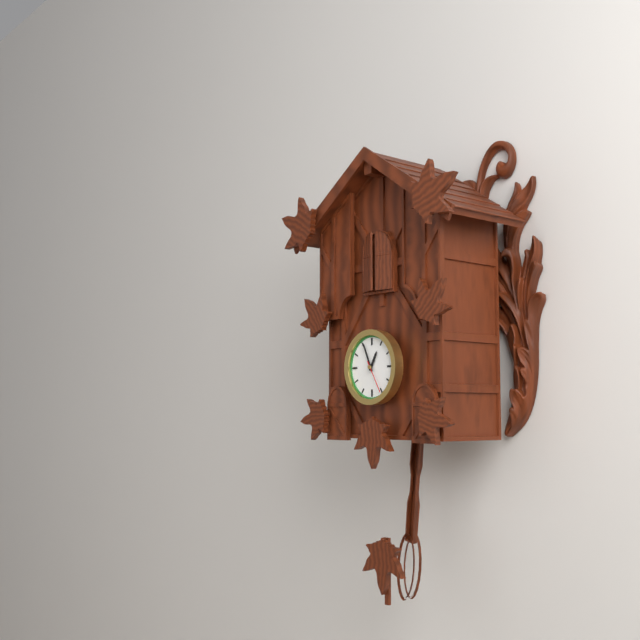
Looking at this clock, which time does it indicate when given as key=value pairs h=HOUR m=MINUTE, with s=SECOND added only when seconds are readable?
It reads h=12 m=56
